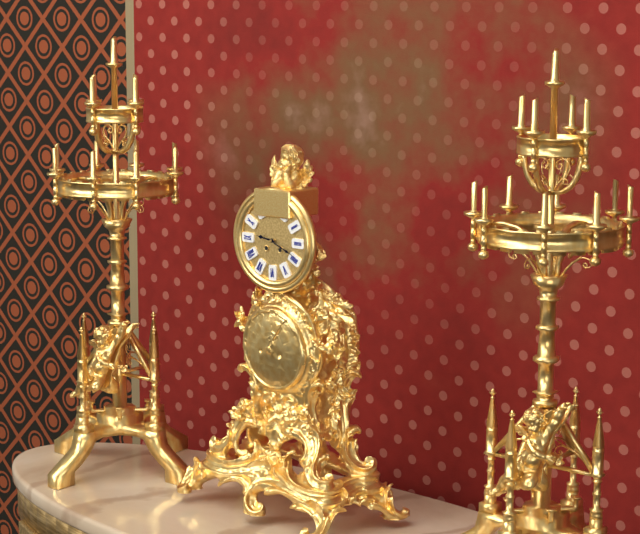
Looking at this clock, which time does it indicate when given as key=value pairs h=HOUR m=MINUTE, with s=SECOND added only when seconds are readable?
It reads h=9 m=19
